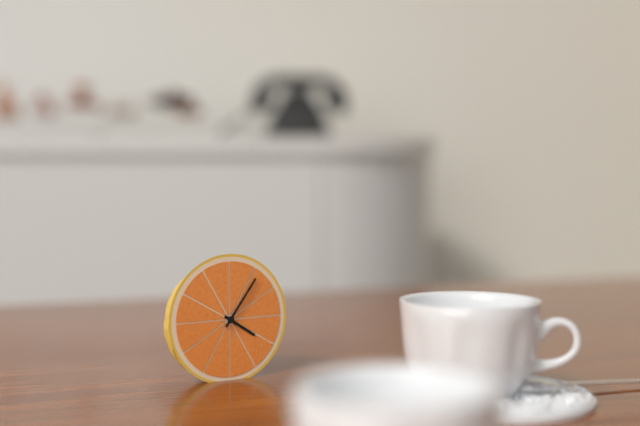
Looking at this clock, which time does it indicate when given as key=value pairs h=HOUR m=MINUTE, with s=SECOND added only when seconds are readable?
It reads h=4 m=6
